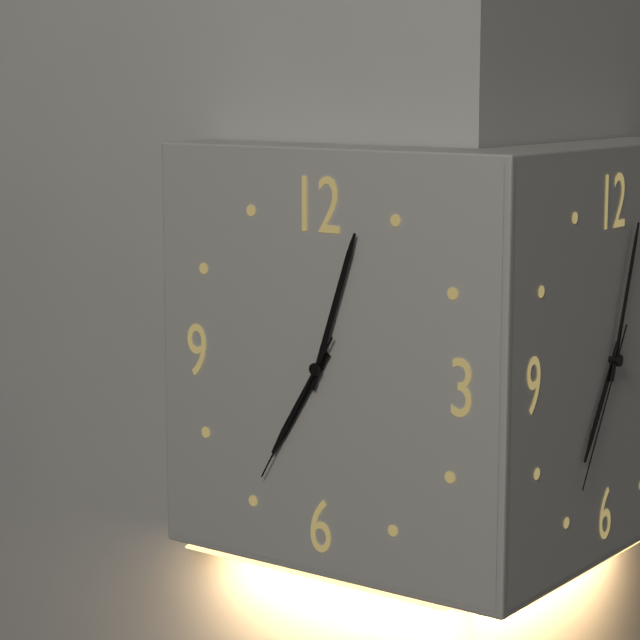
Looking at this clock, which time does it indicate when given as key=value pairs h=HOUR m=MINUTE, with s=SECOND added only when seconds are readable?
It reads h=7 m=3 s=35
